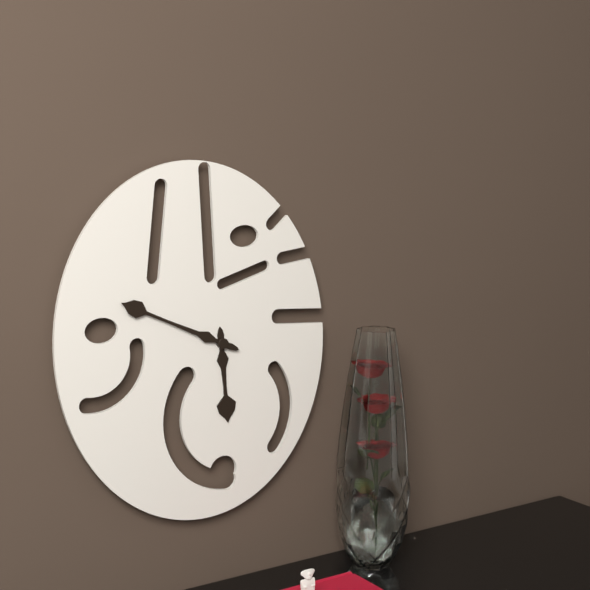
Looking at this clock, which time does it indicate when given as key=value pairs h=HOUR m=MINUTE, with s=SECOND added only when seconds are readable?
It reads h=5 m=49
